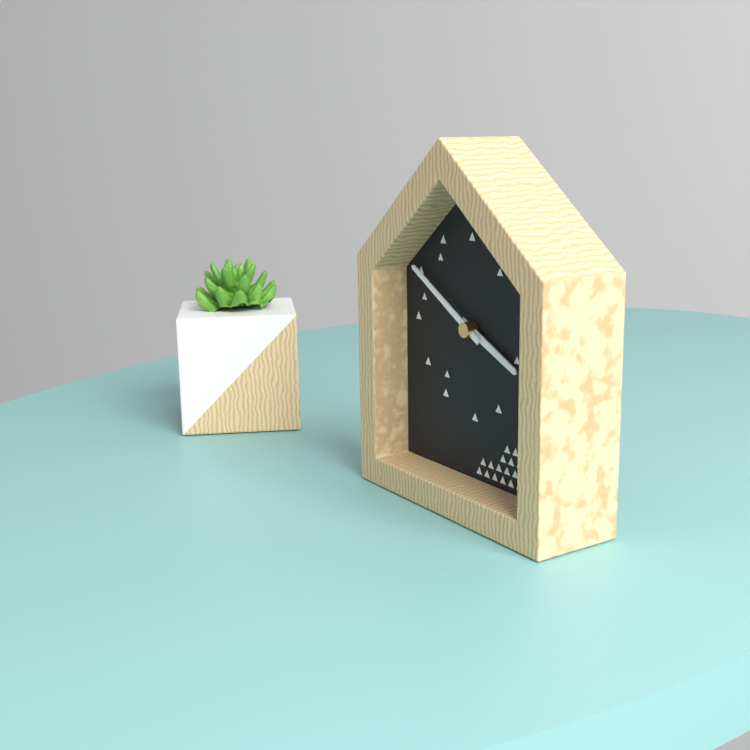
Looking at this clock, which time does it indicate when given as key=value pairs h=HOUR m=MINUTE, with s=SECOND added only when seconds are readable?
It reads h=3 m=50
